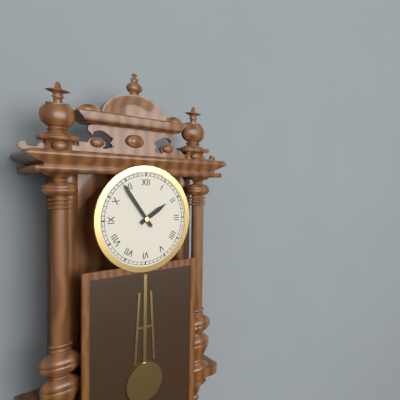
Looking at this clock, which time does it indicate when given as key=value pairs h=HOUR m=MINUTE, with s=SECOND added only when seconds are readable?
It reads h=1 m=54
